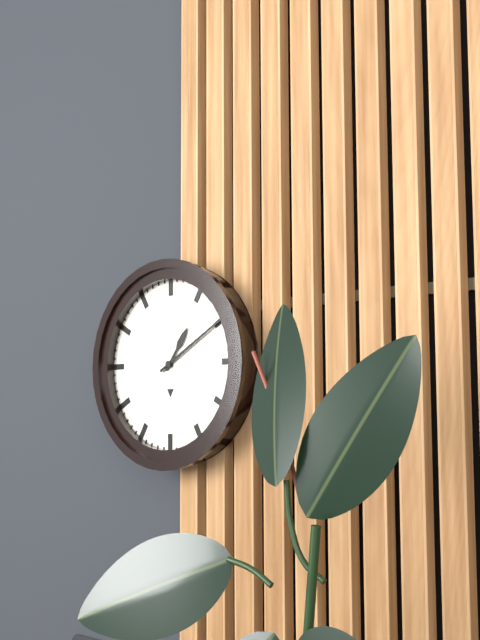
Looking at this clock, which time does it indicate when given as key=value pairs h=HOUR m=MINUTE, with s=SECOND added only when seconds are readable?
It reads h=1 m=10
